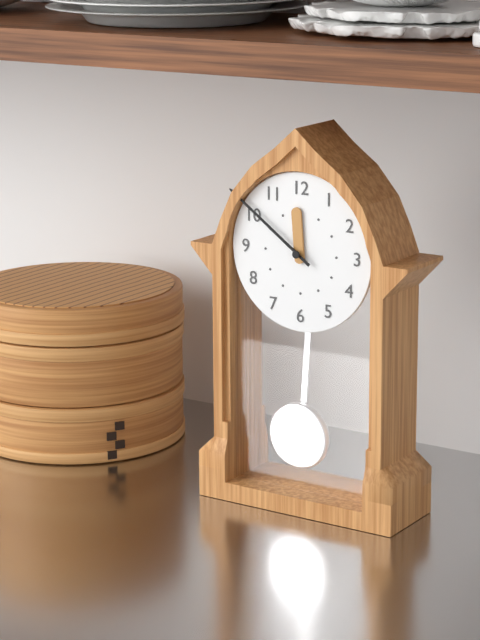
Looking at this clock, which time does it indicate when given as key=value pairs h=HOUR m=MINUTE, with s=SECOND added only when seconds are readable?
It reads h=11 m=51
